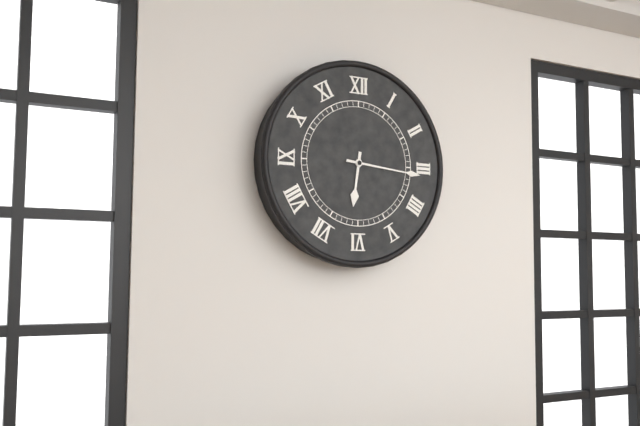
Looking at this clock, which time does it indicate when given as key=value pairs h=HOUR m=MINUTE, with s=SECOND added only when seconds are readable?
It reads h=6 m=16
